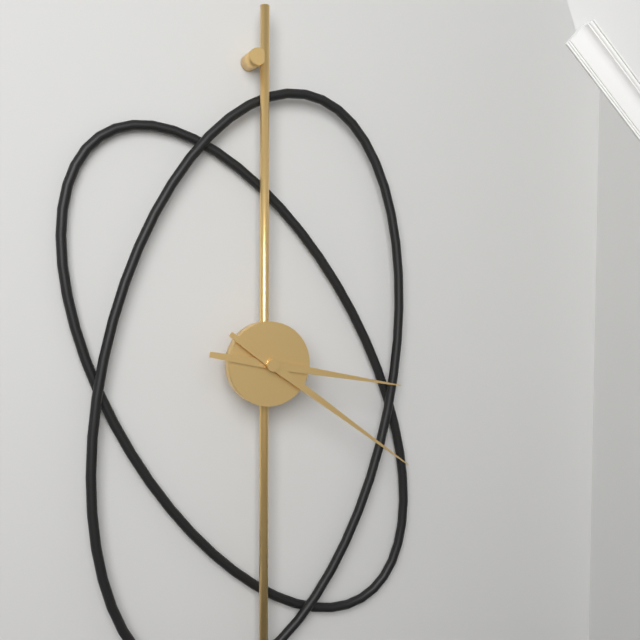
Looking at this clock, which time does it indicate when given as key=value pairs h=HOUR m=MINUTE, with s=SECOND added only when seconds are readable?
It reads h=3 m=21
